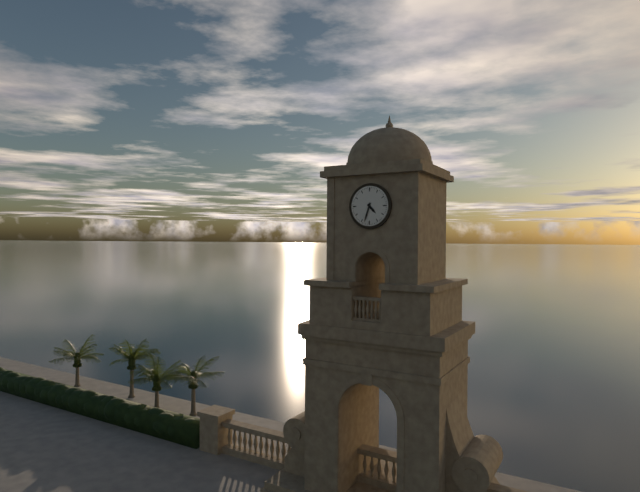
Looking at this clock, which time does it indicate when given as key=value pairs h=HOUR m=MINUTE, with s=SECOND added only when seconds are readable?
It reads h=4 m=33
